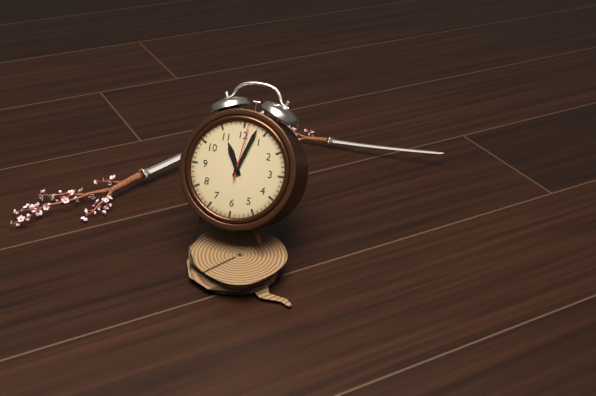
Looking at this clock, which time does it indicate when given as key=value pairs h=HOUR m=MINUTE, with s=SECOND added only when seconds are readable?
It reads h=11 m=3 s=1
